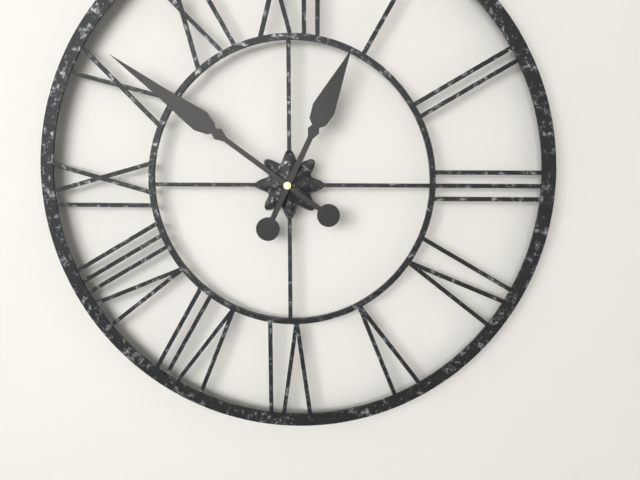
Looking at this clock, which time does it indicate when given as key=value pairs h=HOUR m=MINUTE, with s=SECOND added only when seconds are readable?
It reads h=12 m=51
